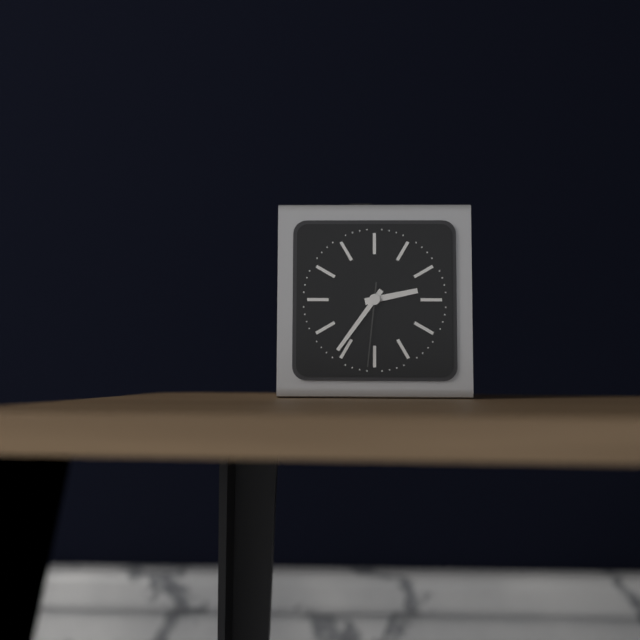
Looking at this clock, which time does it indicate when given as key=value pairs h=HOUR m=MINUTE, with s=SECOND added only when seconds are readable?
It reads h=2 m=36 s=31
